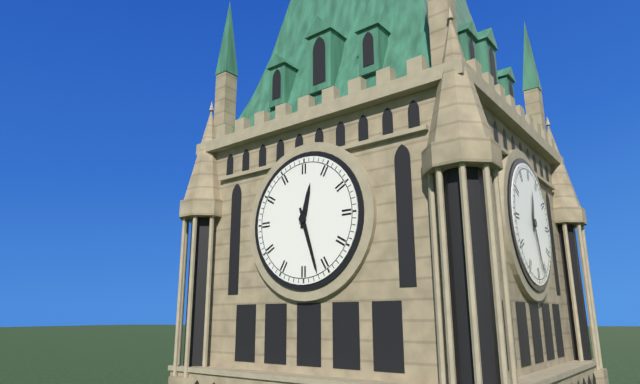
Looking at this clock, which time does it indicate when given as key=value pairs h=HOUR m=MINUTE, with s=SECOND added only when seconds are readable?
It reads h=12 m=27
